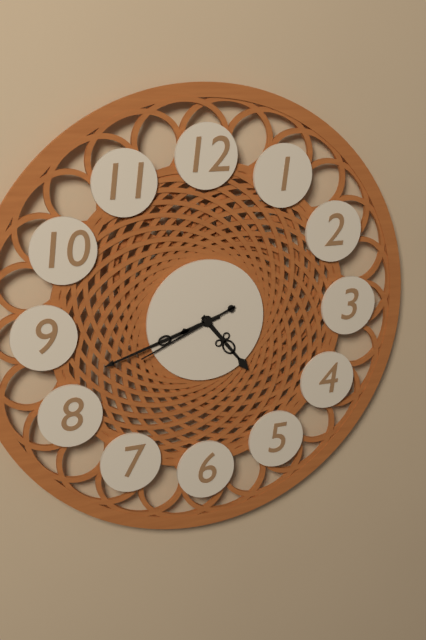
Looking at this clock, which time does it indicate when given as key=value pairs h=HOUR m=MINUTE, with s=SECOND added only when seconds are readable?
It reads h=4 m=42 s=41
